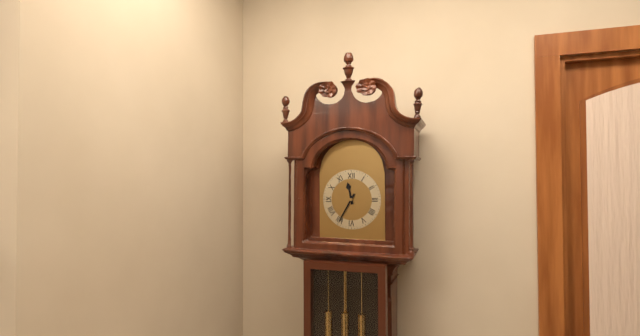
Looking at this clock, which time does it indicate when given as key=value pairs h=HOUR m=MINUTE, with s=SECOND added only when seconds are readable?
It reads h=11 m=35
